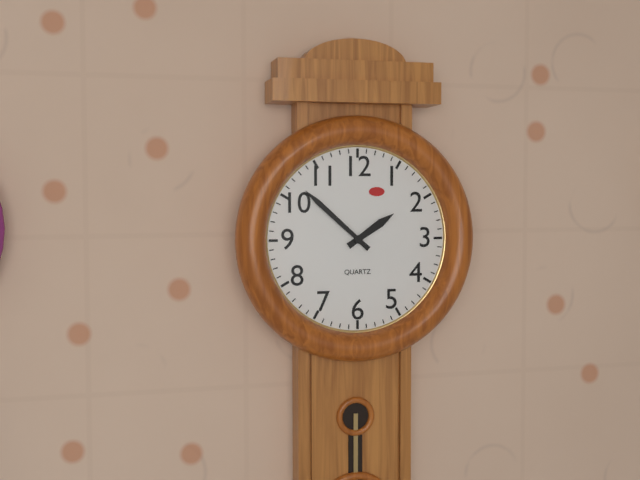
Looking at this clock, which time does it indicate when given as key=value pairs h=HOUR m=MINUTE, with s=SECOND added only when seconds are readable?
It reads h=1 m=52
